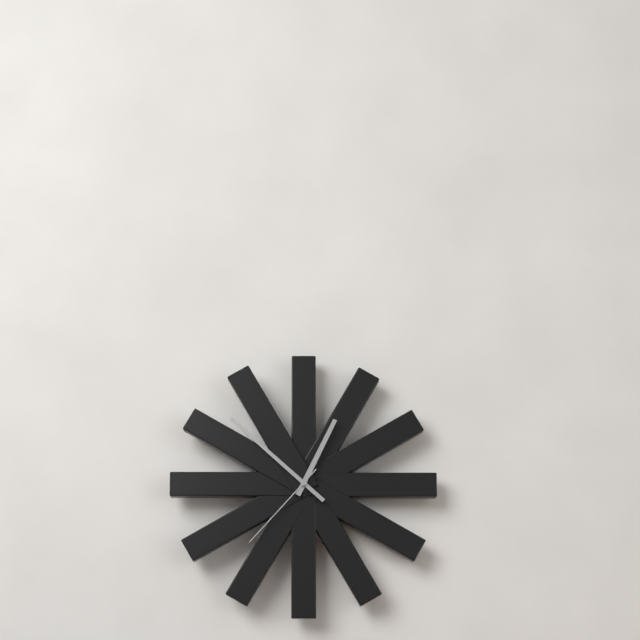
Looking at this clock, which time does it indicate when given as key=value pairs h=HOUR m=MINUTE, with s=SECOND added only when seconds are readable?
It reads h=12 m=52 s=37
